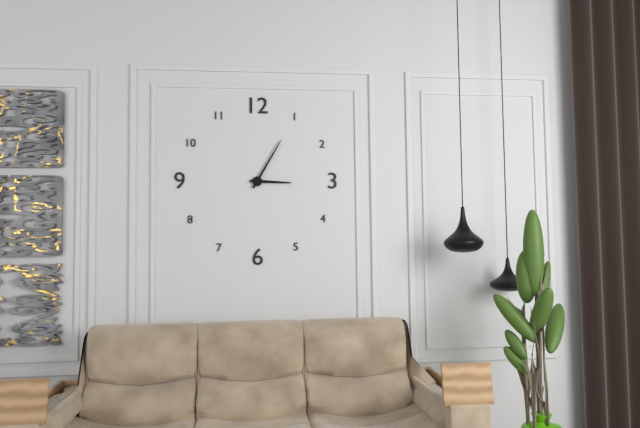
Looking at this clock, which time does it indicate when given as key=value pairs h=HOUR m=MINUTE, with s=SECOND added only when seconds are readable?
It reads h=3 m=5
